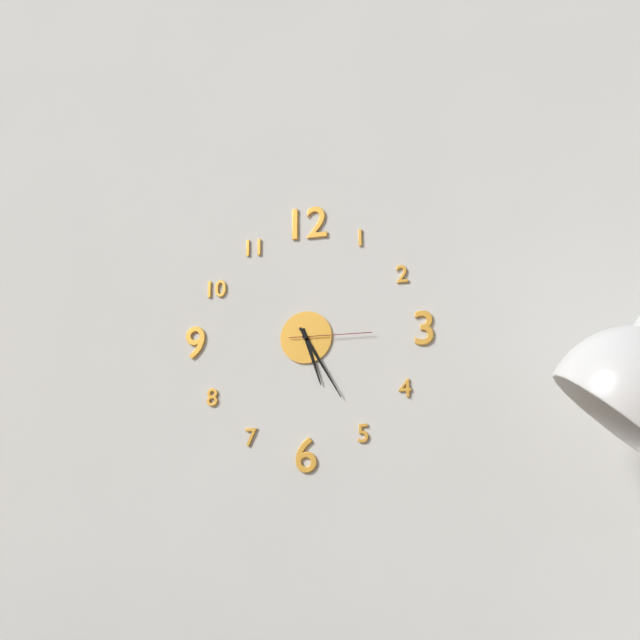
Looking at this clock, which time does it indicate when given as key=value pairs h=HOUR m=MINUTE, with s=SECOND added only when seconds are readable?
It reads h=5 m=25 s=15
